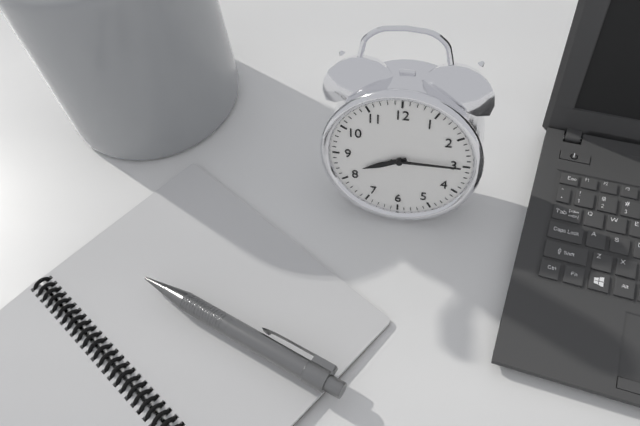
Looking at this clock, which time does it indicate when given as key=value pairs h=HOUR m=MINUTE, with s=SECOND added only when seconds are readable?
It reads h=8 m=15
